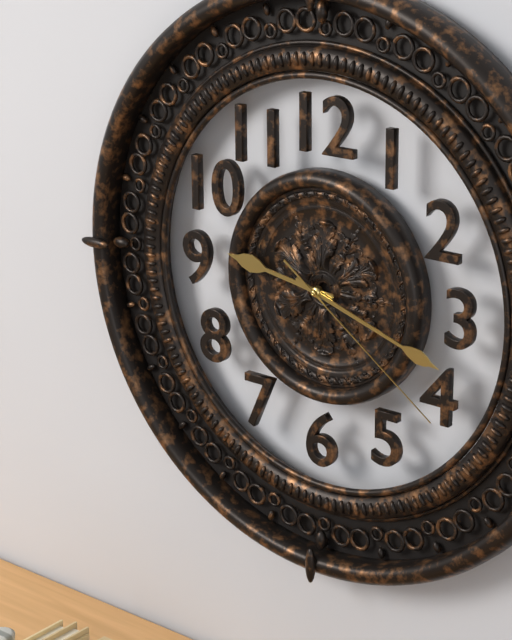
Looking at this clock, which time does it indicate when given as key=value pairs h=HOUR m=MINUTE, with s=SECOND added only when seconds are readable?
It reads h=9 m=18 s=21
